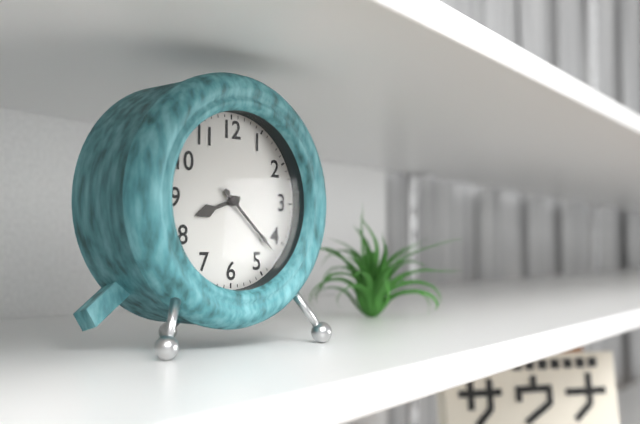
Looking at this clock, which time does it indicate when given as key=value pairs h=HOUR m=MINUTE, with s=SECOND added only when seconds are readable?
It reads h=8 m=22
